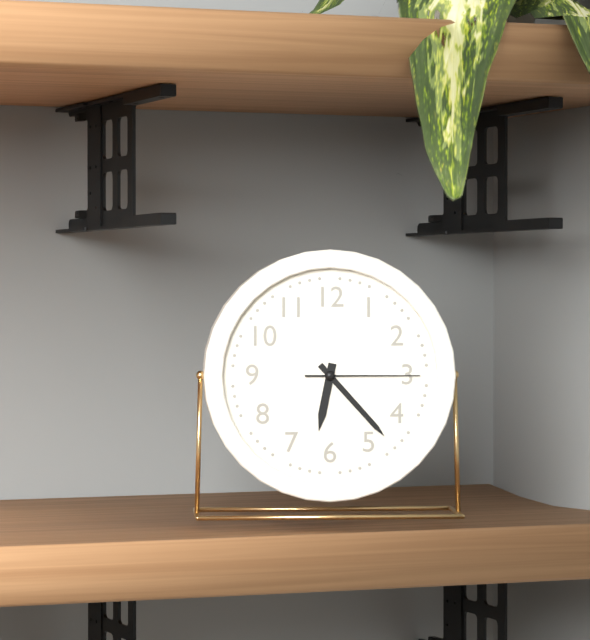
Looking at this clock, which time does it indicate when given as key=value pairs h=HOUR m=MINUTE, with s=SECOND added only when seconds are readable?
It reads h=6 m=23 s=15
